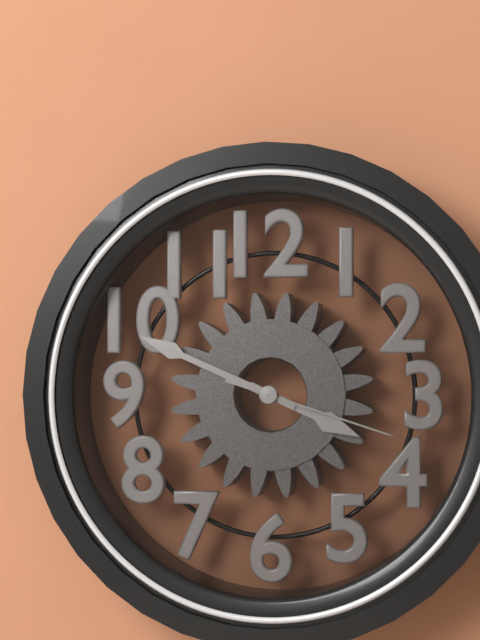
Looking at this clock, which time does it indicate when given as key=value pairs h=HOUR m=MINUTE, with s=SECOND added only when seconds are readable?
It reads h=3 m=49 s=18
